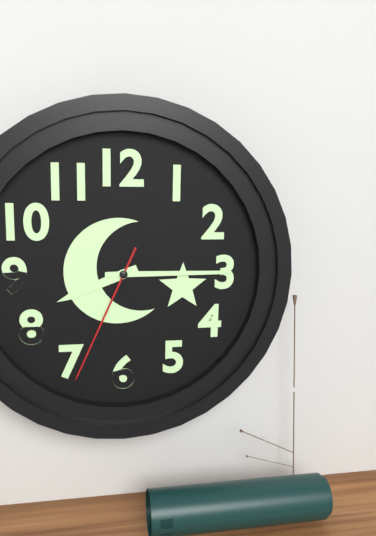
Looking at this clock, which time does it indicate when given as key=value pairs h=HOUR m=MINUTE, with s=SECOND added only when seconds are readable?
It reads h=8 m=15 s=34
